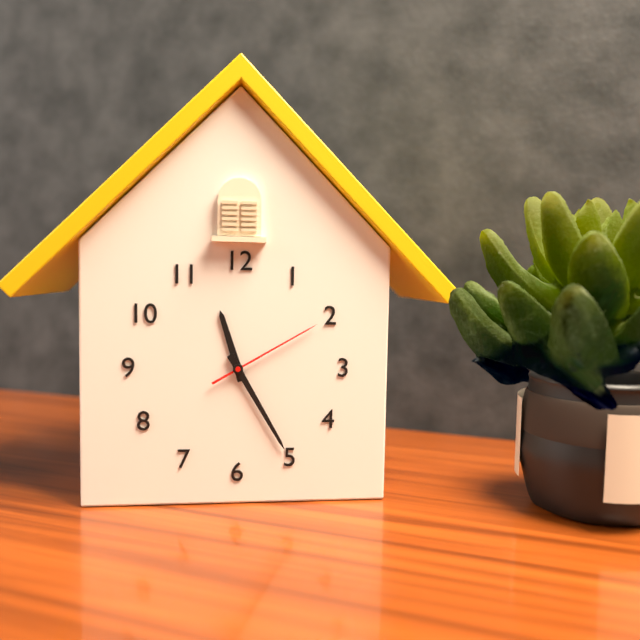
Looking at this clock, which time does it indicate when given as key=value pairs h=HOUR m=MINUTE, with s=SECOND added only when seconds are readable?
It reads h=11 m=25 s=10
